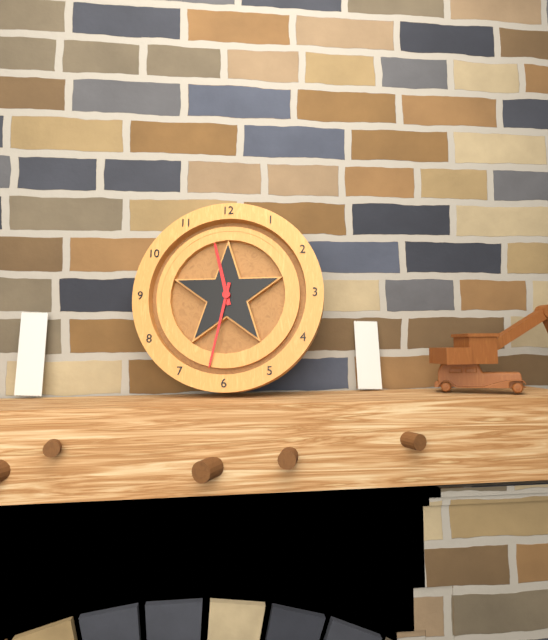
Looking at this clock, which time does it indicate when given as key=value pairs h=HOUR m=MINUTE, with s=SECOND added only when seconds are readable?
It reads h=11 m=32
